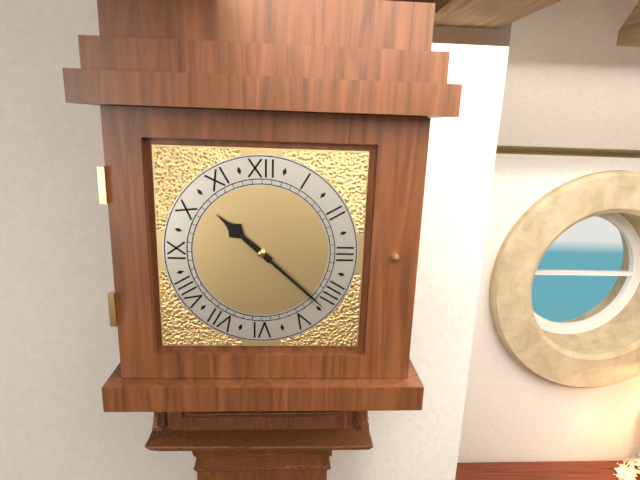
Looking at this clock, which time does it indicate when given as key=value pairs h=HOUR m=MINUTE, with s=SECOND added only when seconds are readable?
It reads h=10 m=22
